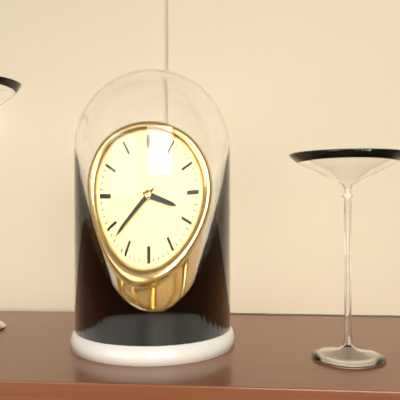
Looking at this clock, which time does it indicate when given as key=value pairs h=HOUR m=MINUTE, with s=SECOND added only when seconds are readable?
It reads h=3 m=38
